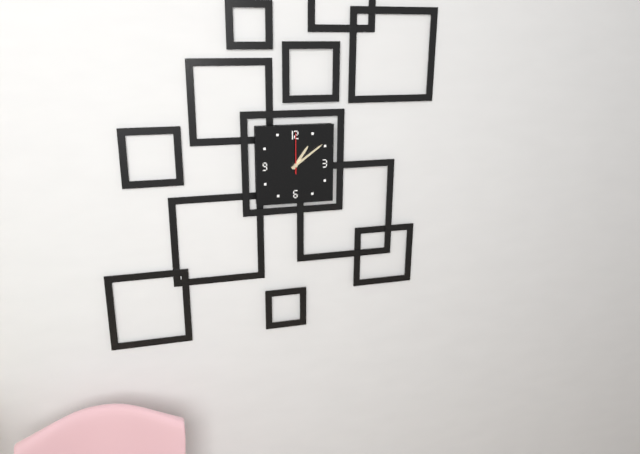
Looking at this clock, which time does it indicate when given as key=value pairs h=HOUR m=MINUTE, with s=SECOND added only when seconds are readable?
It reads h=1 m=9
